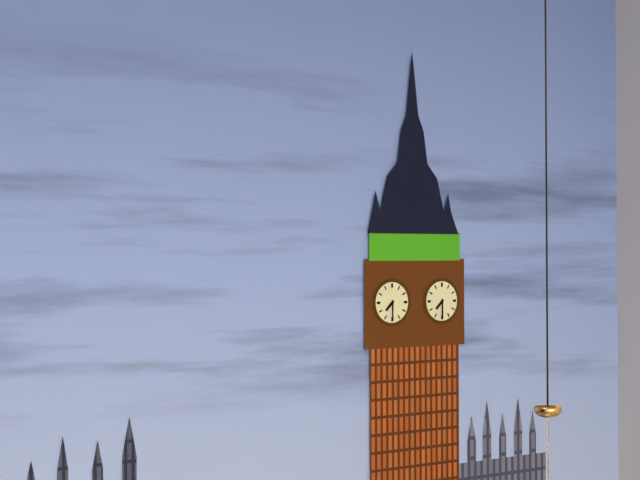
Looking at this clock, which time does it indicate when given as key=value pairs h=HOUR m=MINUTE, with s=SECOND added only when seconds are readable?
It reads h=7 m=30
